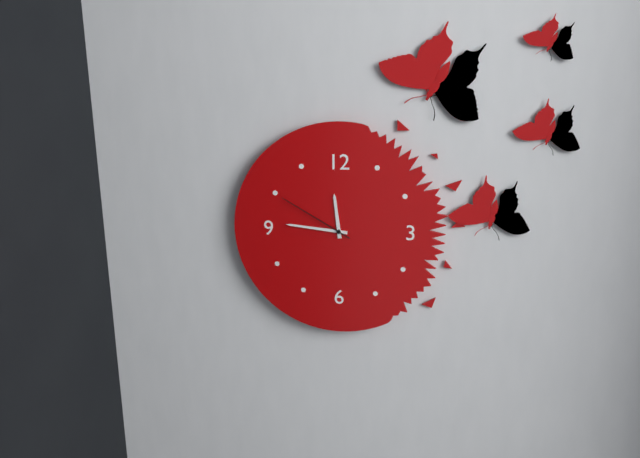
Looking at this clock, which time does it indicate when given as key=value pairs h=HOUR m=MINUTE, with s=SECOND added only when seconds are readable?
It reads h=11 m=46 s=50
